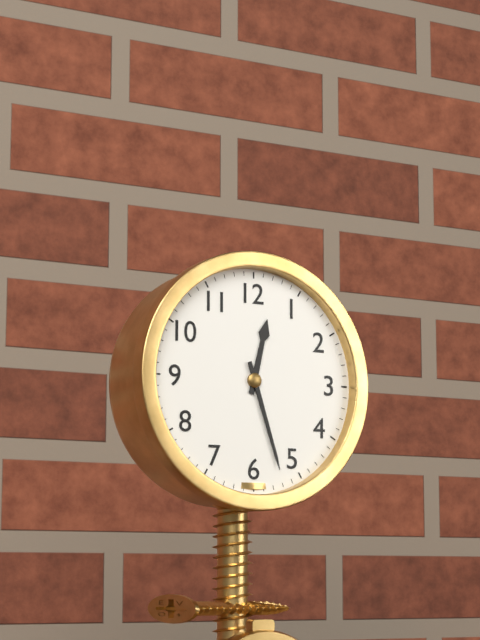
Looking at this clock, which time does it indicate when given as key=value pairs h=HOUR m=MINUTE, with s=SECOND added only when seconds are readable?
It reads h=12 m=27
